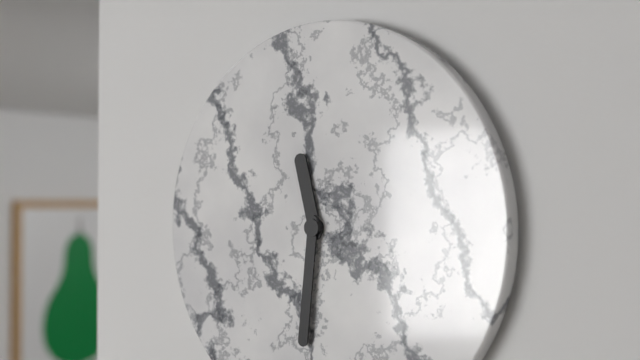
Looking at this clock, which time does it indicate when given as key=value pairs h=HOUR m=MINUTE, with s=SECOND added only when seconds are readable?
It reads h=11 m=31
